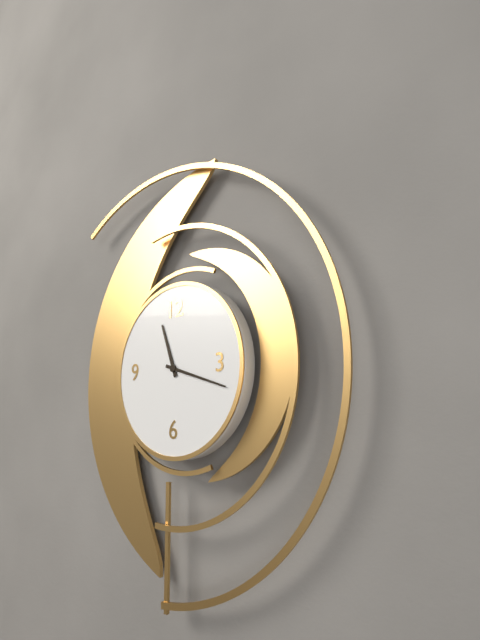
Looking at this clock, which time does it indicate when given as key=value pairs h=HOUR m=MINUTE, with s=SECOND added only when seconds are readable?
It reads h=11 m=18
